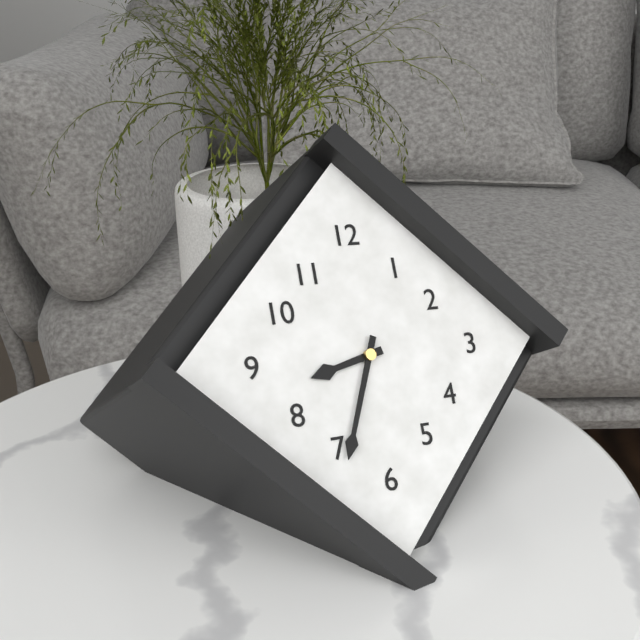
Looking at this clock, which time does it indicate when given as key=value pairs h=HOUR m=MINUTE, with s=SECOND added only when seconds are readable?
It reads h=8 m=34
